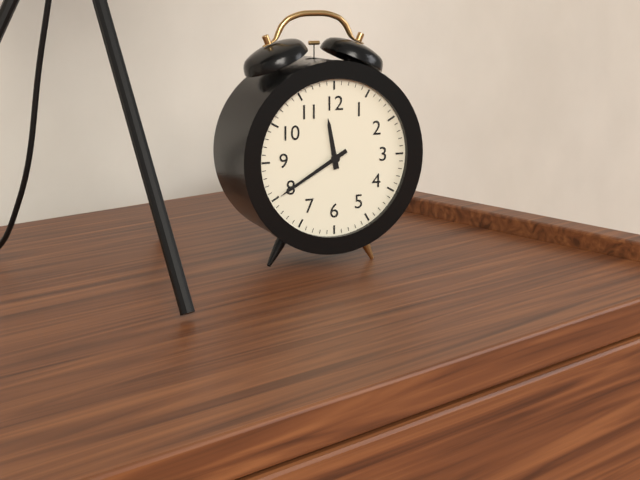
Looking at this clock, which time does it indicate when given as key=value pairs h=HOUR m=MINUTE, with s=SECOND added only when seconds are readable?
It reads h=11 m=40
